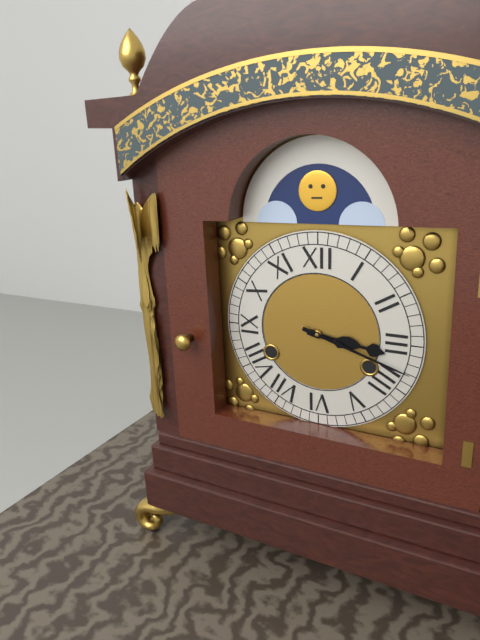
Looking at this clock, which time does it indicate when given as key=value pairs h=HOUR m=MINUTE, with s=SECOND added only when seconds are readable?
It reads h=3 m=18
